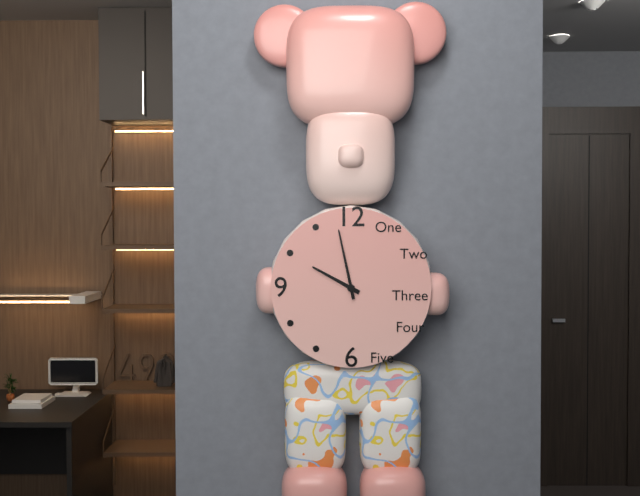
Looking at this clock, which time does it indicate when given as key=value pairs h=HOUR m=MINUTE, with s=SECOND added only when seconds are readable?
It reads h=9 m=58
